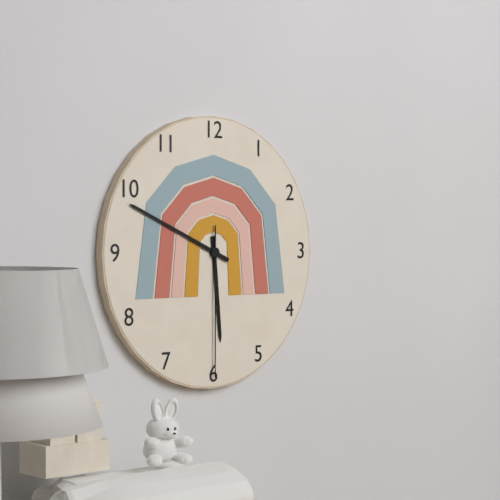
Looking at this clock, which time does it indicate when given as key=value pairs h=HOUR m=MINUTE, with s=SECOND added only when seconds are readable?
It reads h=5 m=49 s=30
